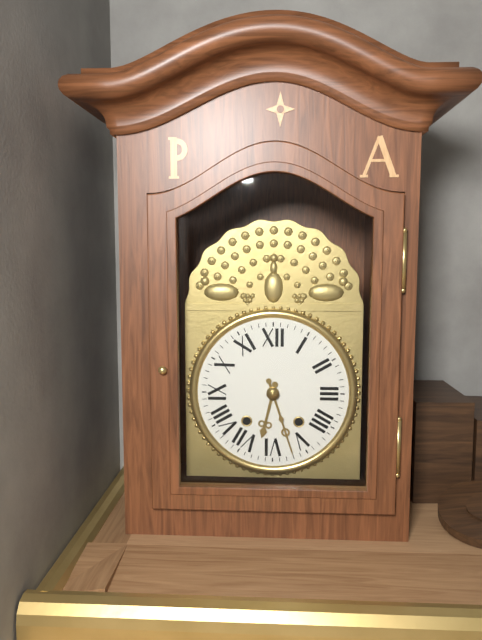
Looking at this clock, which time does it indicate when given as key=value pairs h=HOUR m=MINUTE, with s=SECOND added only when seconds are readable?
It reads h=6 m=27
